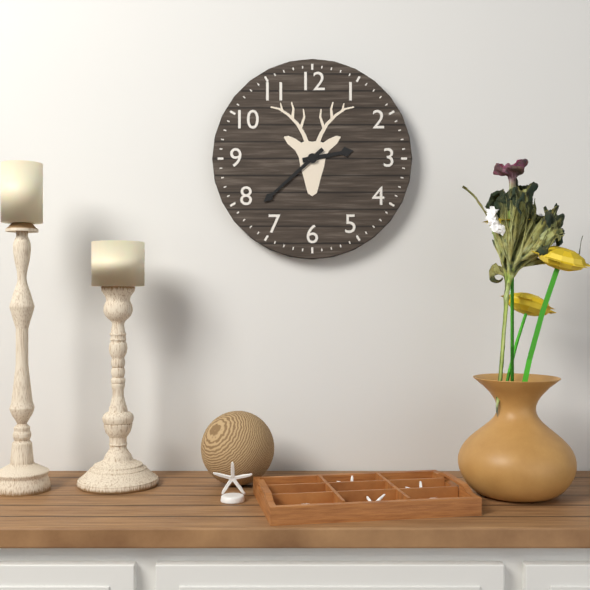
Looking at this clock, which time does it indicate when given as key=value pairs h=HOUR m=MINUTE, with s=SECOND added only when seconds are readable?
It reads h=2 m=38
